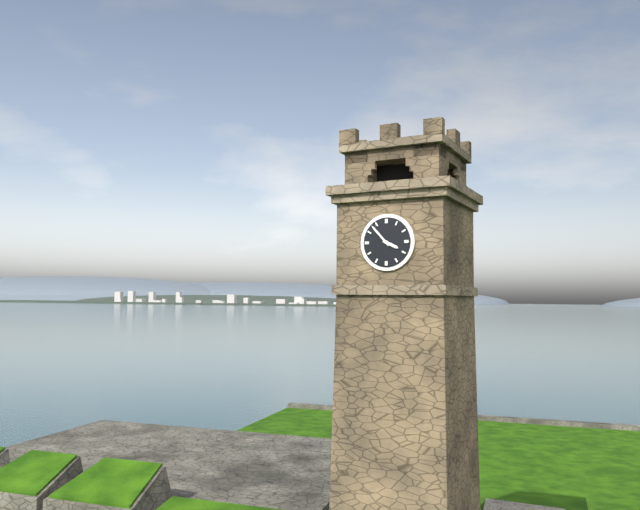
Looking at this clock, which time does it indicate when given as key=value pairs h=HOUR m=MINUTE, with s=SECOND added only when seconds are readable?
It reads h=3 m=53
